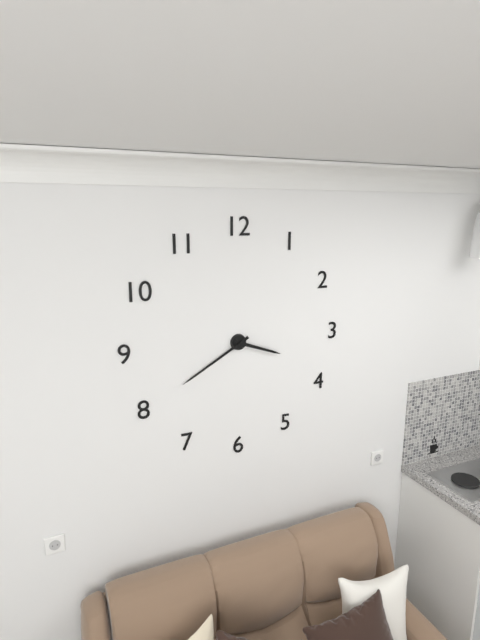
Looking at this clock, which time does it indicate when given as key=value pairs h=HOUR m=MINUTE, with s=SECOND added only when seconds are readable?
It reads h=3 m=40
